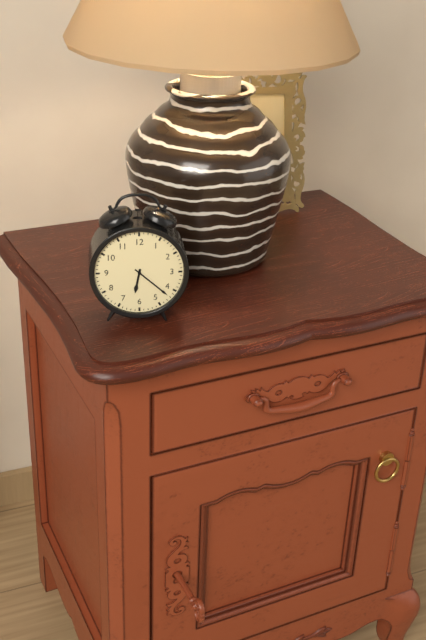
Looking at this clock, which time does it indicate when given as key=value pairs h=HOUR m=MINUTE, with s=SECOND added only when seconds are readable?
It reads h=6 m=22
